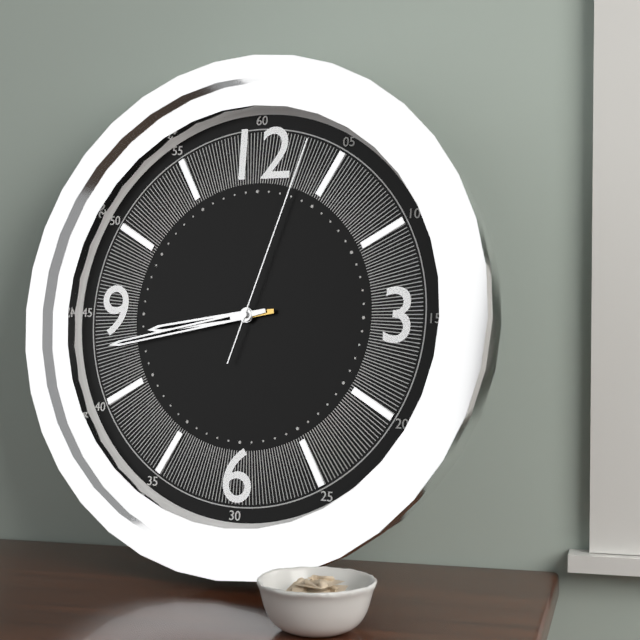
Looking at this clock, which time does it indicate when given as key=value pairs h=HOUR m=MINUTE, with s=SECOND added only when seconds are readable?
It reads h=8 m=43 s=3
